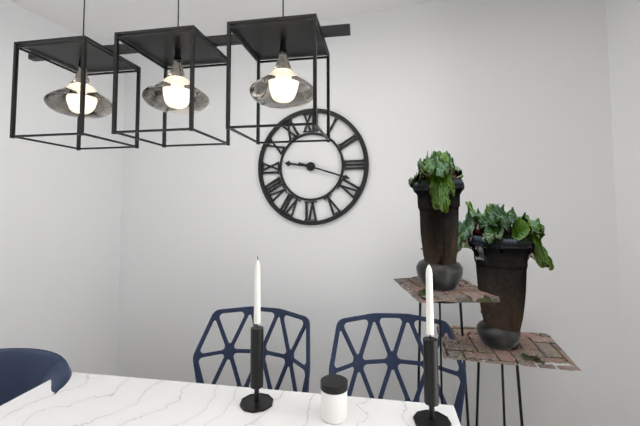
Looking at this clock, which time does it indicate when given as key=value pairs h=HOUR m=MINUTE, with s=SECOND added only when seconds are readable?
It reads h=9 m=18
